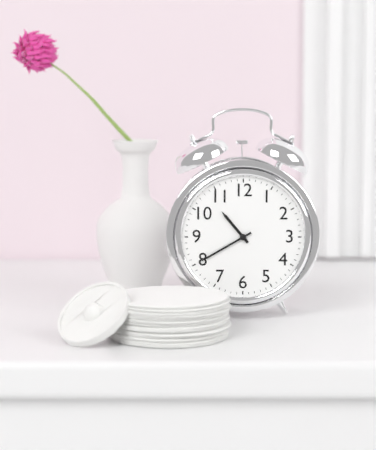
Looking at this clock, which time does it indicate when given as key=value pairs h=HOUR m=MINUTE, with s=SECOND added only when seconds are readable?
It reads h=10 m=40
